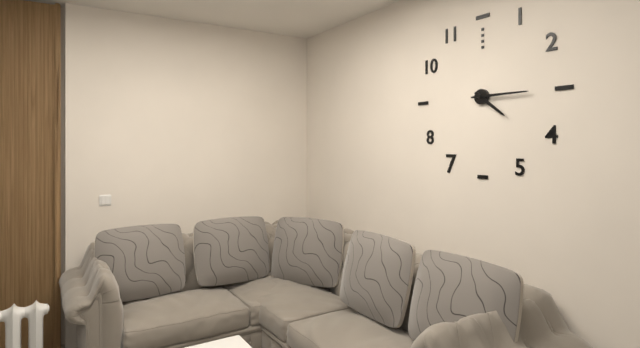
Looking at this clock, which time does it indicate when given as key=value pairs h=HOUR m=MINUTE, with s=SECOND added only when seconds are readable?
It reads h=4 m=15
